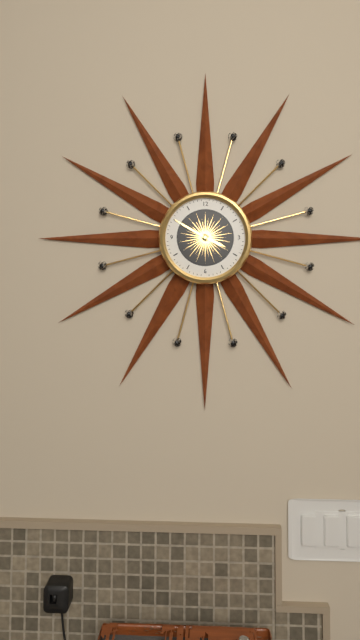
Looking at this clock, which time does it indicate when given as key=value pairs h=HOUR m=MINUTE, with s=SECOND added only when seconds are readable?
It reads h=3 m=50
